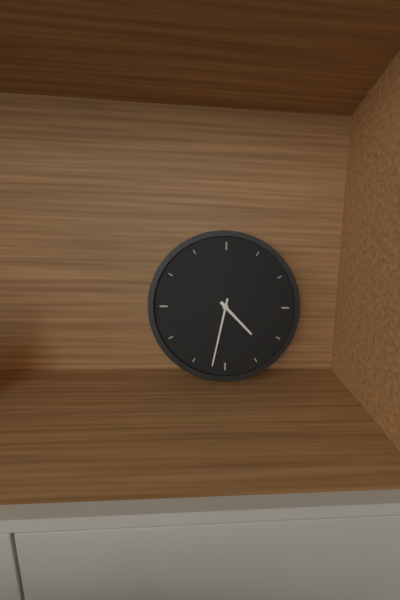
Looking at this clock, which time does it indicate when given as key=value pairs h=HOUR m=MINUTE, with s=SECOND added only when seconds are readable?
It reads h=4 m=32
